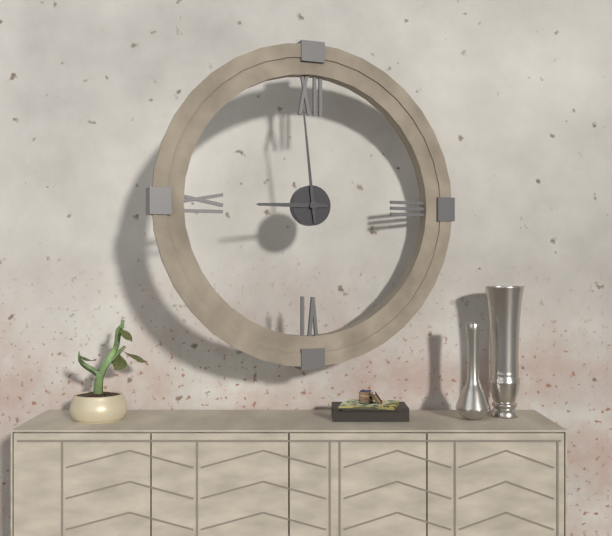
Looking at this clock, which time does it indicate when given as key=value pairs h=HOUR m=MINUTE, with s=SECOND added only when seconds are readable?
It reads h=8 m=59
